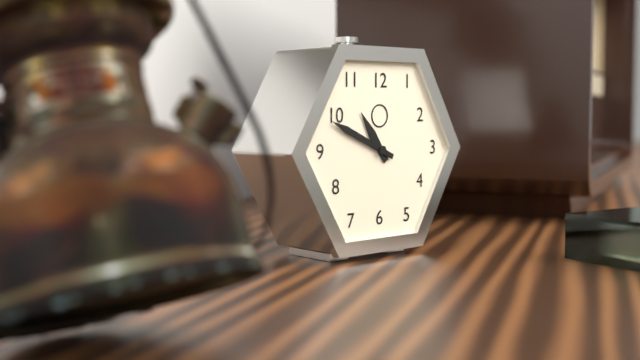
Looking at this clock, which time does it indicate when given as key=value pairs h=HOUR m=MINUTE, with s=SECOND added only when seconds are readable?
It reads h=10 m=49
